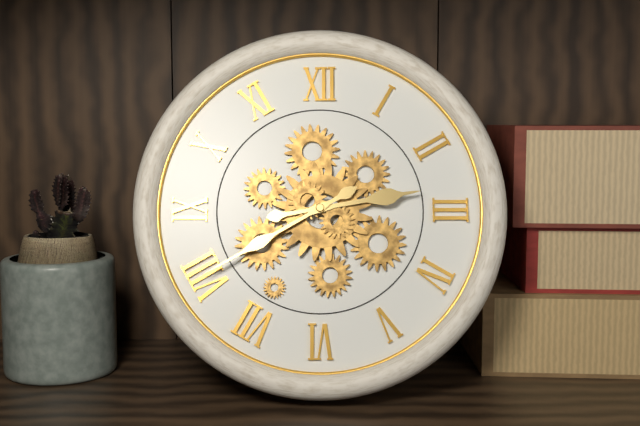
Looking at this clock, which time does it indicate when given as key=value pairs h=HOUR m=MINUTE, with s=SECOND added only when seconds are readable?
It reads h=2 m=40
